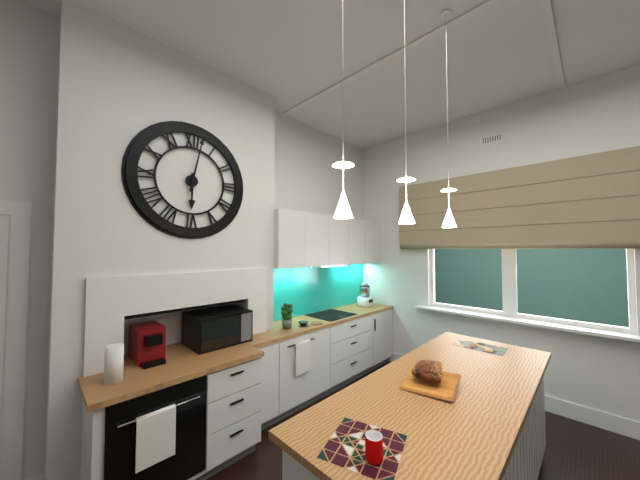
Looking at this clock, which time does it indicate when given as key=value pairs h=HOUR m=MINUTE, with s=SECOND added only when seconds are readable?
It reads h=6 m=2
